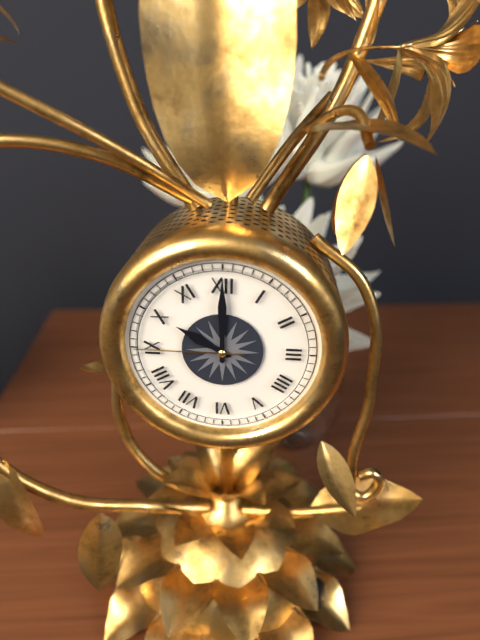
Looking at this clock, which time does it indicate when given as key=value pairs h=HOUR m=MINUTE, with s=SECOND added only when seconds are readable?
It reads h=10 m=0 s=45
